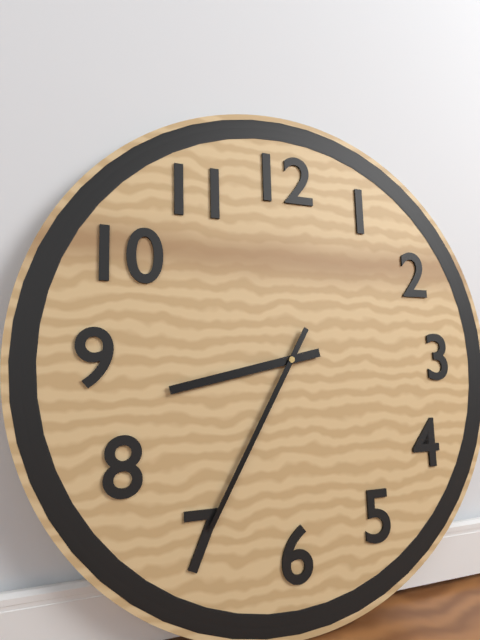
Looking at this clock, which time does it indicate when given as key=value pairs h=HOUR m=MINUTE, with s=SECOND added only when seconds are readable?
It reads h=8 m=35
